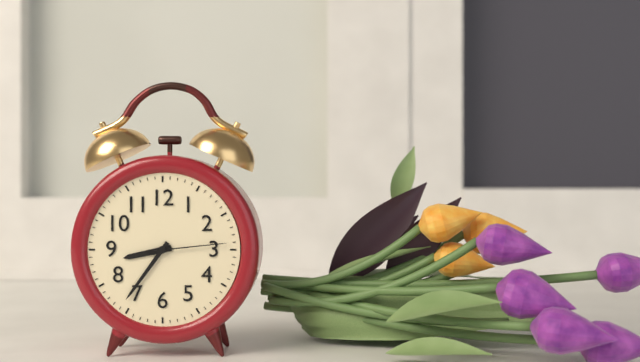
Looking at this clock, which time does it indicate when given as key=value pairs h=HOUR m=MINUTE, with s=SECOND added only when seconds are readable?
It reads h=8 m=36 s=14
